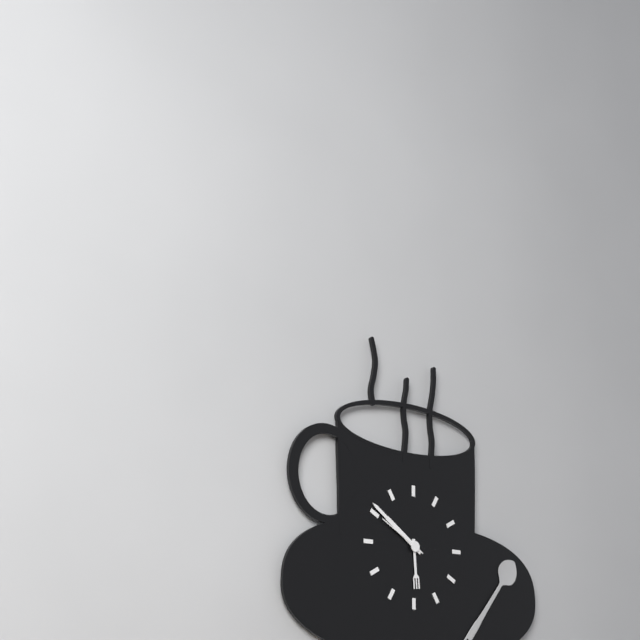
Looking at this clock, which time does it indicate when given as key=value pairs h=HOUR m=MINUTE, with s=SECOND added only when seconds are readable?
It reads h=5 m=51 s=50
